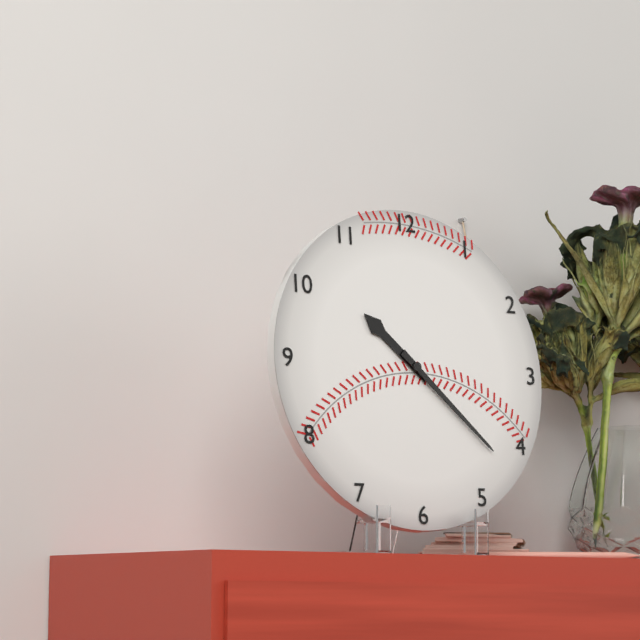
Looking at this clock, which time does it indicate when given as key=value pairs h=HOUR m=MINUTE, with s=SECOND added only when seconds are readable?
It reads h=10 m=22
